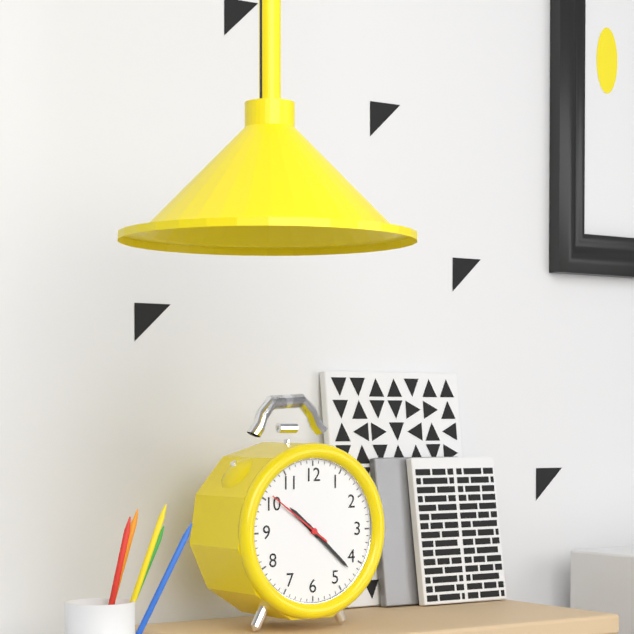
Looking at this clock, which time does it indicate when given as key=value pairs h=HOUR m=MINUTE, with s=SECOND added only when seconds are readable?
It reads h=10 m=22 s=51
